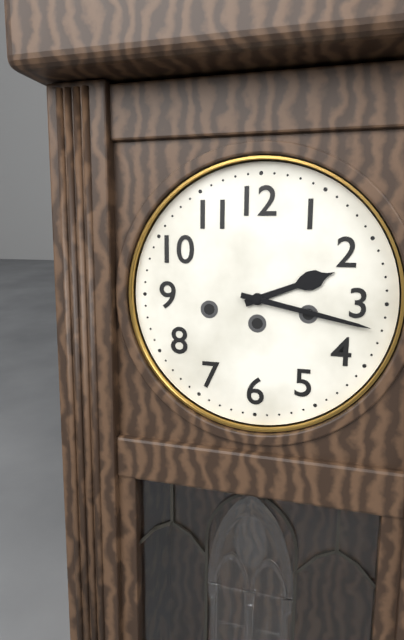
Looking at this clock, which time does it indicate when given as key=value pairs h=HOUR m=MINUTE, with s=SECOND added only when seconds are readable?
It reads h=2 m=17
